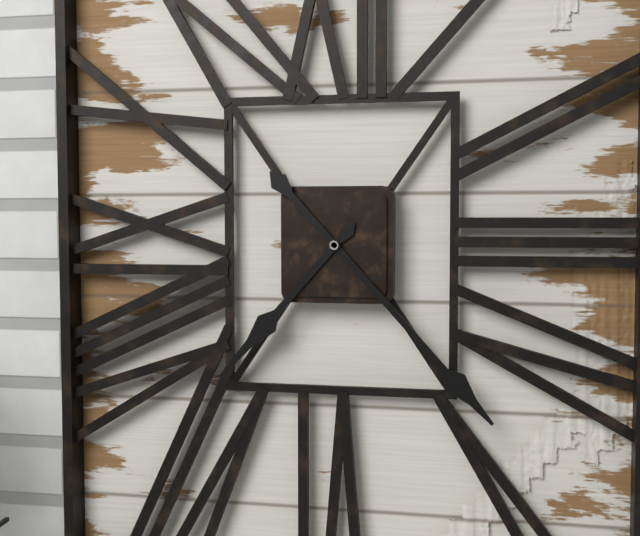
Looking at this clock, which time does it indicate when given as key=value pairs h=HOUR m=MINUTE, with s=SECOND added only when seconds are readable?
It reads h=7 m=23
